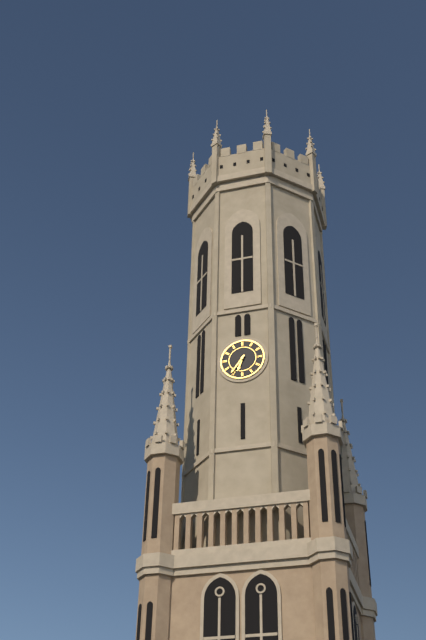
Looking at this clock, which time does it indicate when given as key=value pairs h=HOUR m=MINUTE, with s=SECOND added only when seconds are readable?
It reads h=6 m=36
